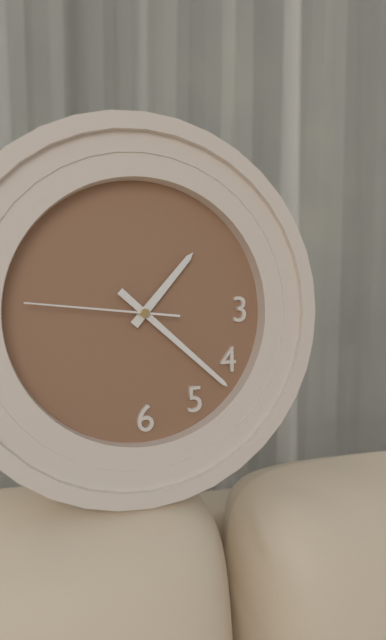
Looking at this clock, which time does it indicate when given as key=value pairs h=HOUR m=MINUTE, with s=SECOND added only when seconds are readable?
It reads h=1 m=22 s=46
